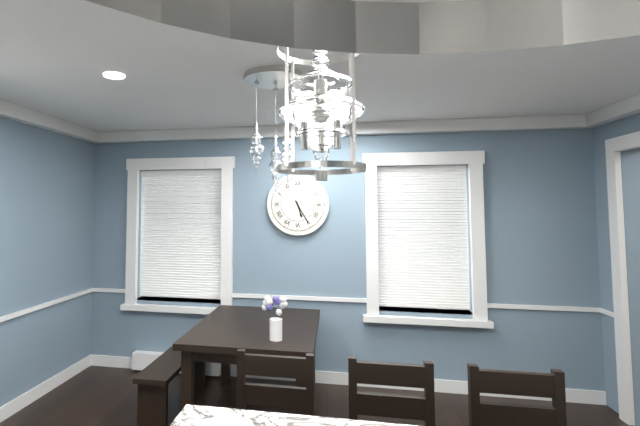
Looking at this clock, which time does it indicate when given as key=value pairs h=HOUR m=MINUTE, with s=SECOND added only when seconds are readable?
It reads h=5 m=25
